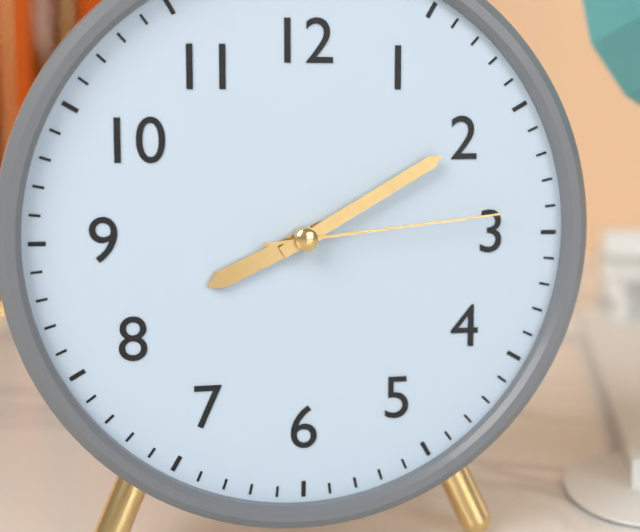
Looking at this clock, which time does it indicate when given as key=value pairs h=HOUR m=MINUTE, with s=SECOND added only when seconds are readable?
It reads h=8 m=10 s=14
